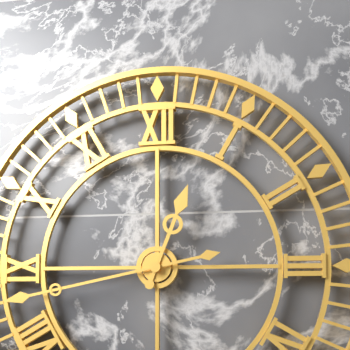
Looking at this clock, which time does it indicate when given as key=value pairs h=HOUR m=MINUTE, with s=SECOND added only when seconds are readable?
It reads h=12 m=43
